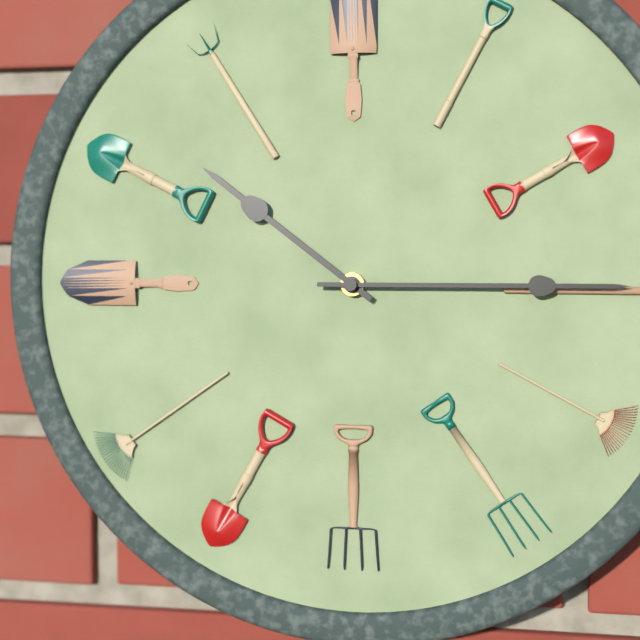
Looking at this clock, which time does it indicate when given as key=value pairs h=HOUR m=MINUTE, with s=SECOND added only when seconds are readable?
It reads h=10 m=15
